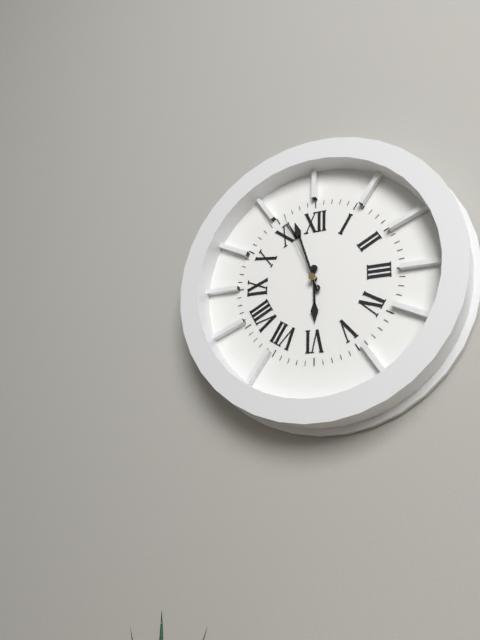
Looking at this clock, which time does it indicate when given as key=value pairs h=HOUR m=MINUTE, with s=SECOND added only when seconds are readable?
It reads h=5 m=57 s=56
